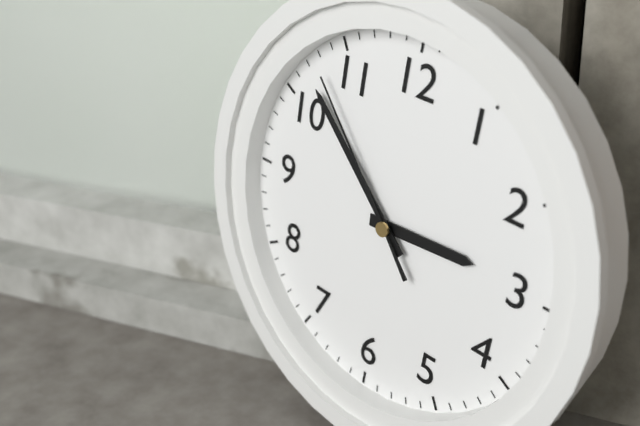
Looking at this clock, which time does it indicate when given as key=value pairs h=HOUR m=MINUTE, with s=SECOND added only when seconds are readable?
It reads h=2 m=52 s=53
